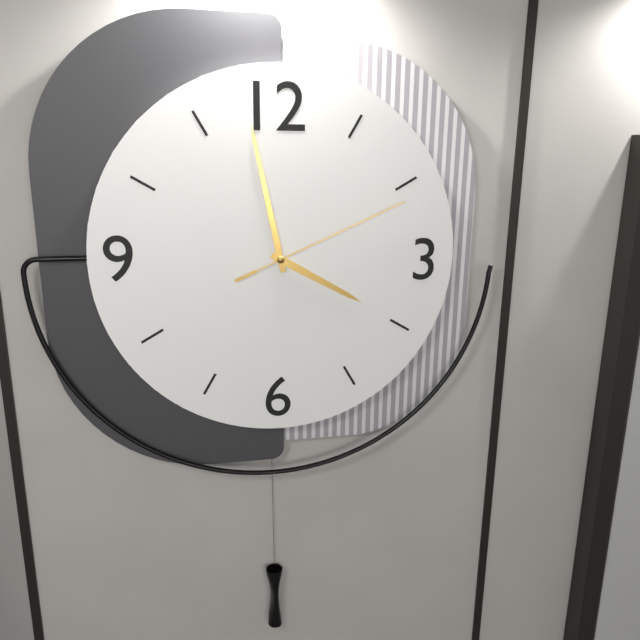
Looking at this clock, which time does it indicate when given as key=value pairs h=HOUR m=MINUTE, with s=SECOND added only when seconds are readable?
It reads h=3 m=58 s=11
